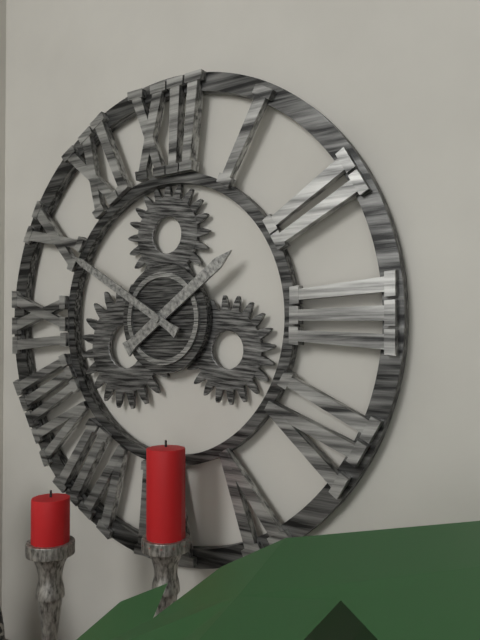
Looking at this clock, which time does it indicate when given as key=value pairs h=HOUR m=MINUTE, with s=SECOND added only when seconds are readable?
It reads h=1 m=50
